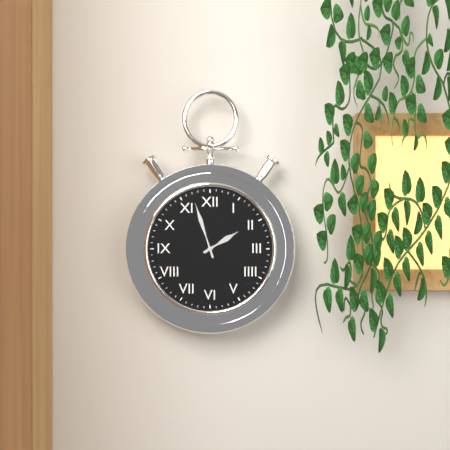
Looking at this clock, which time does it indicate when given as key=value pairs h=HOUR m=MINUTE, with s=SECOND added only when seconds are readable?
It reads h=1 m=57
